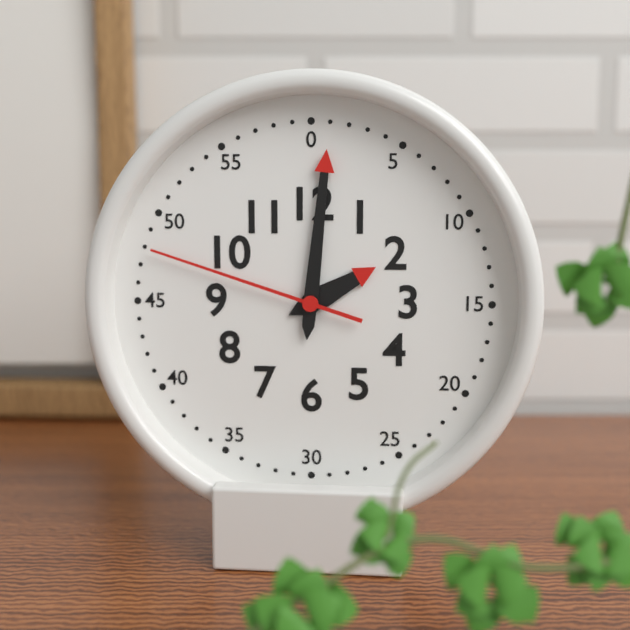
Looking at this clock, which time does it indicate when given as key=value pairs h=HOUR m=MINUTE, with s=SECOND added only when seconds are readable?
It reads h=2 m=1 s=48
